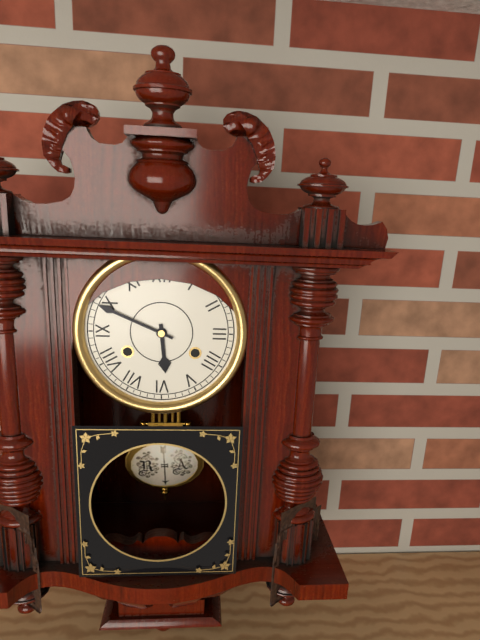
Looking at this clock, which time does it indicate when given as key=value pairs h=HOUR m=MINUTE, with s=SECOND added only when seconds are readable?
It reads h=5 m=49
